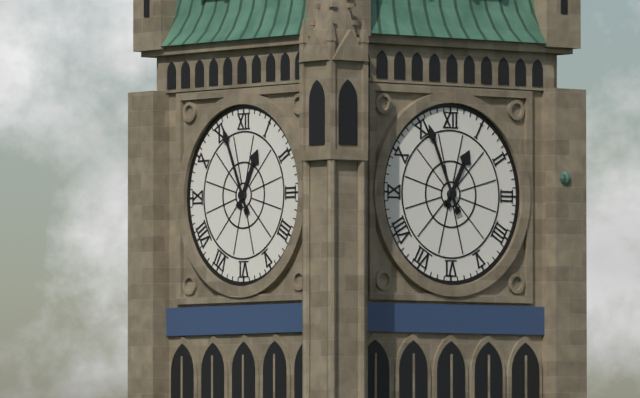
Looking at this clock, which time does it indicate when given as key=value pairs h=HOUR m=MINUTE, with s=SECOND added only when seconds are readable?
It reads h=12 m=56
